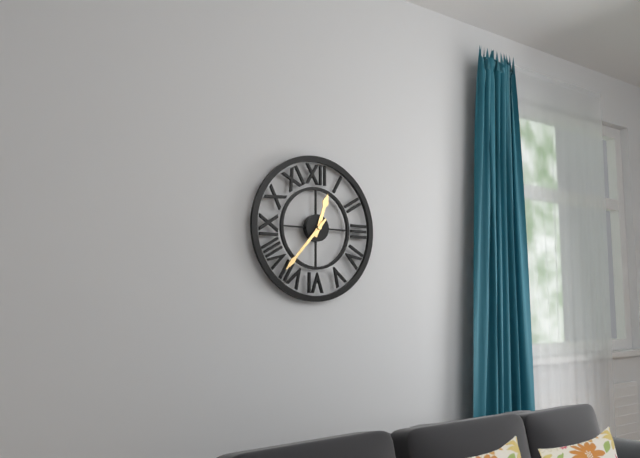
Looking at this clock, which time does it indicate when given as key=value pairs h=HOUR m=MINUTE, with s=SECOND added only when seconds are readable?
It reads h=12 m=37
